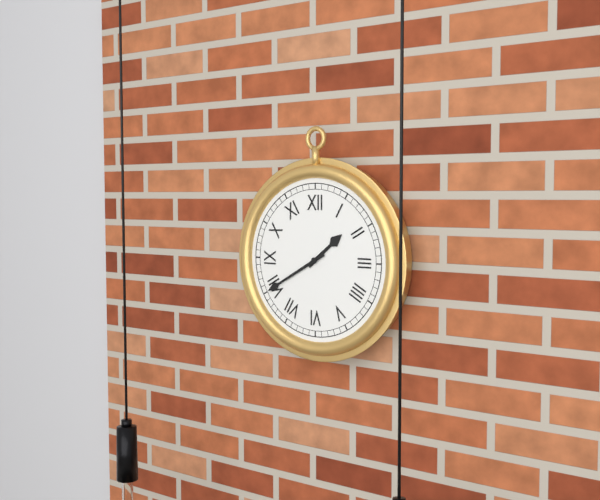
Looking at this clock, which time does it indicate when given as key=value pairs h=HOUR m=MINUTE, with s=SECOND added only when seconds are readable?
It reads h=1 m=40
